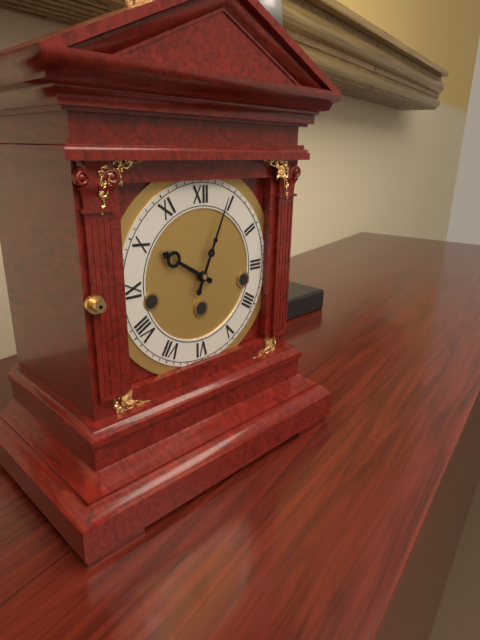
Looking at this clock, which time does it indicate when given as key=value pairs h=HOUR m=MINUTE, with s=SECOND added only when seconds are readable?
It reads h=10 m=4
